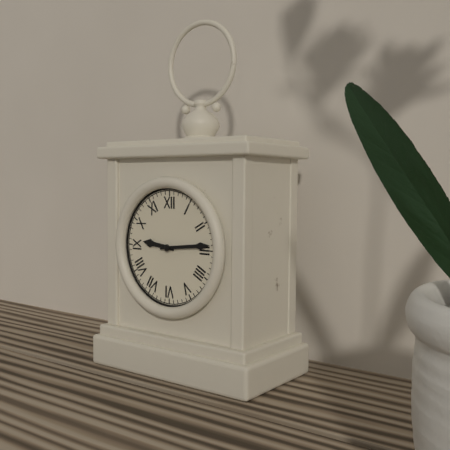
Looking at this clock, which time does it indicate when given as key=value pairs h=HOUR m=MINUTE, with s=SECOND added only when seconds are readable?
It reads h=9 m=14
